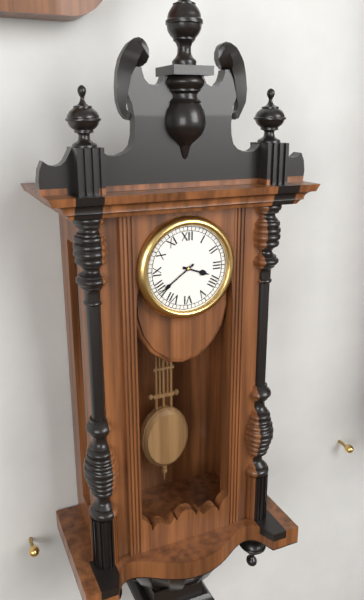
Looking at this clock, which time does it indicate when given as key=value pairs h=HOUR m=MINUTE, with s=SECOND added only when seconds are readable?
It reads h=3 m=39
